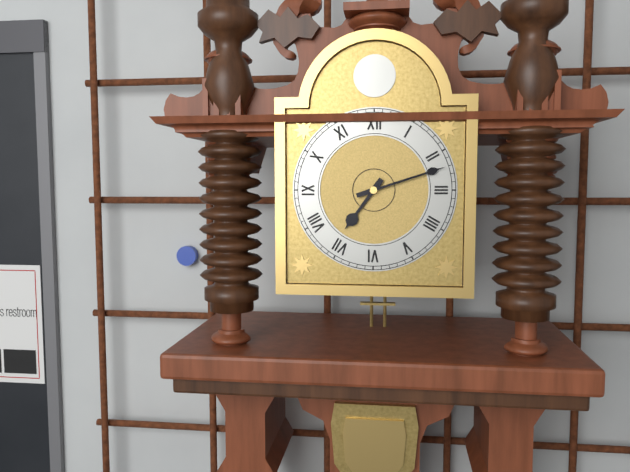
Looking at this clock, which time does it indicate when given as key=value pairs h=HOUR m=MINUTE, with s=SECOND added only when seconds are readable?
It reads h=7 m=12
